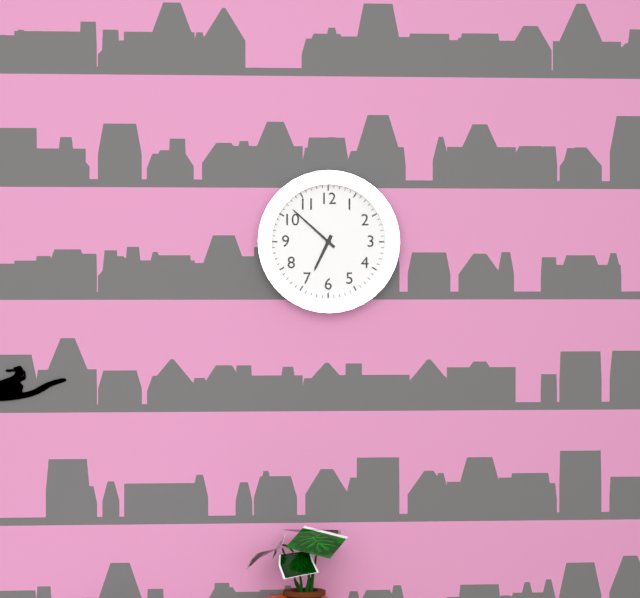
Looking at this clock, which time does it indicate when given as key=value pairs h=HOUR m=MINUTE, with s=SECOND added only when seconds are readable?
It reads h=6 m=52
